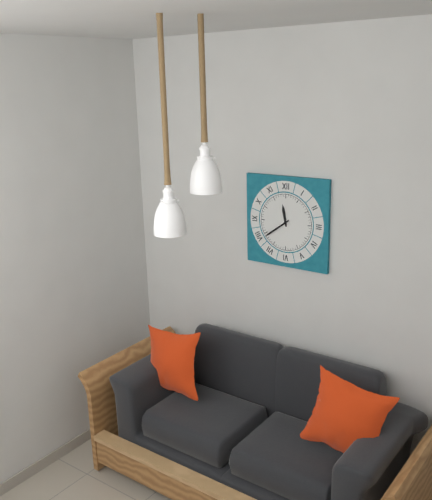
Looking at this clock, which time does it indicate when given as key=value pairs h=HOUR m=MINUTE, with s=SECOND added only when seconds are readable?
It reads h=11 m=39
